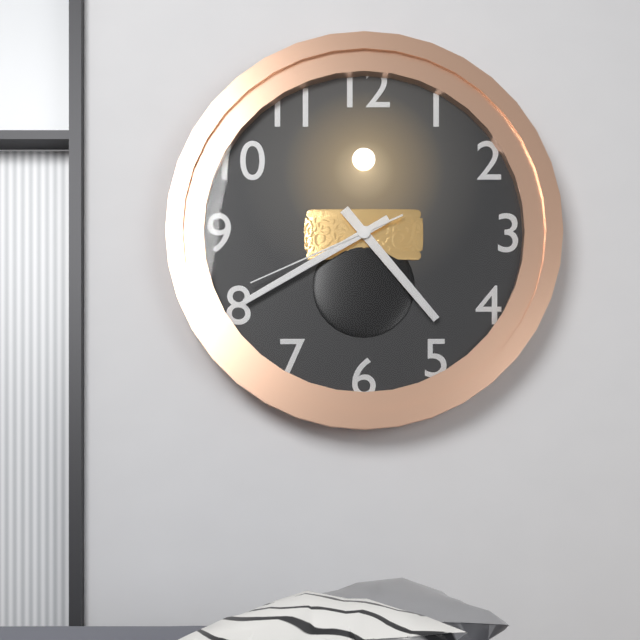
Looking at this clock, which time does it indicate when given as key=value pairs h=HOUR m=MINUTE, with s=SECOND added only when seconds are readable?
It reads h=4 m=40 s=41
